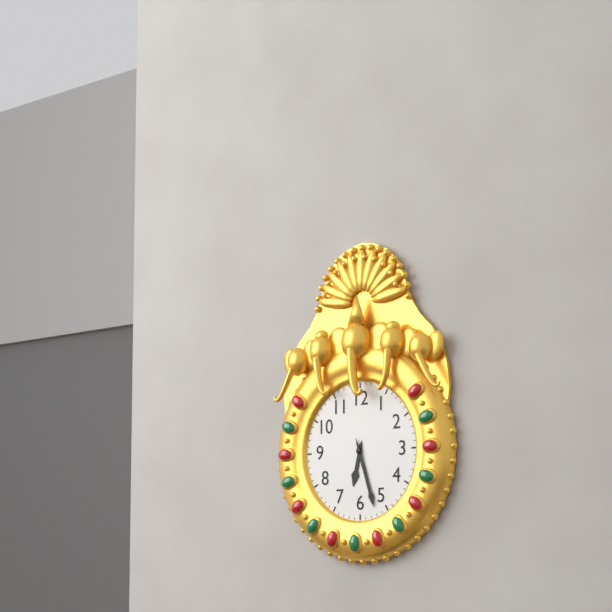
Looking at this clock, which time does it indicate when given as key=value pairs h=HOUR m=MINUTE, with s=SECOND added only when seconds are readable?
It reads h=6 m=27
